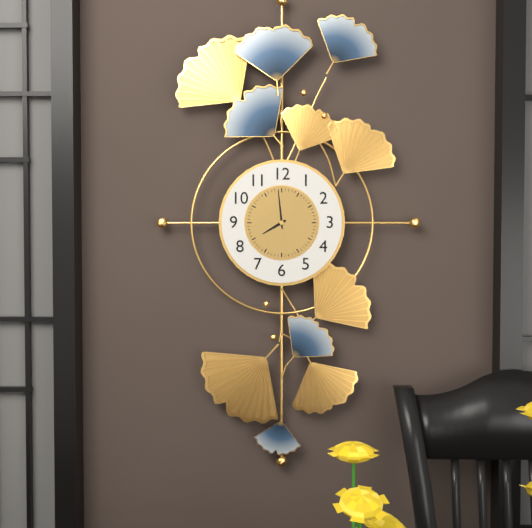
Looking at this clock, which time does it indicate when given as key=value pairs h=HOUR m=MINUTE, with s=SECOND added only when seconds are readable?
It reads h=7 m=59
